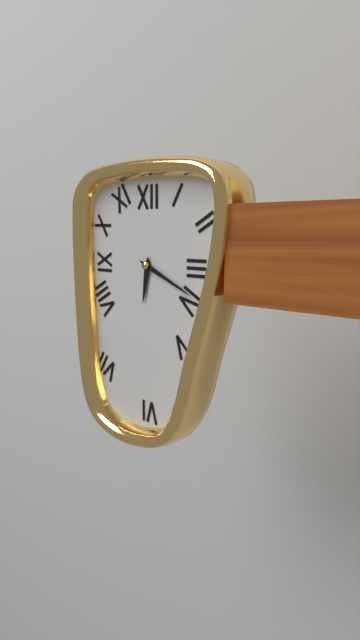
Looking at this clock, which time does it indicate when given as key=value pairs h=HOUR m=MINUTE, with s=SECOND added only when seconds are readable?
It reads h=6 m=19
